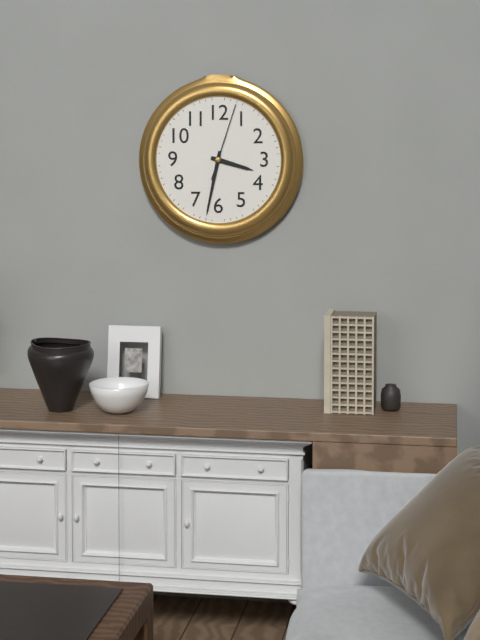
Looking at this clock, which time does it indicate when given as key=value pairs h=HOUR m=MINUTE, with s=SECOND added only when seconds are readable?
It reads h=3 m=32 s=3
